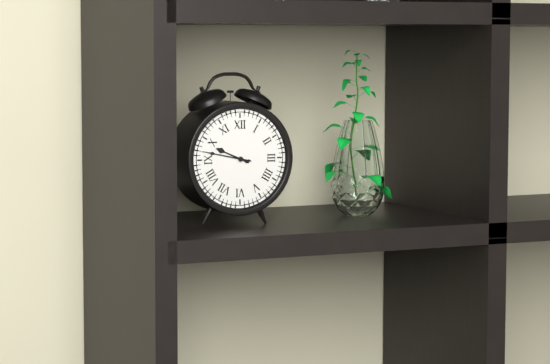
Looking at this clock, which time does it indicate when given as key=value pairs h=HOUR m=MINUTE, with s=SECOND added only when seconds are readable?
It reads h=9 m=47
